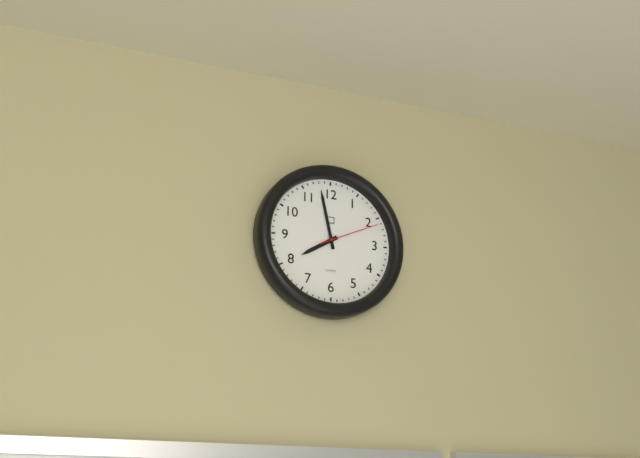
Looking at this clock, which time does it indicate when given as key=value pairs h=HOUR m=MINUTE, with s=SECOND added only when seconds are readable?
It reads h=7 m=58 s=11
